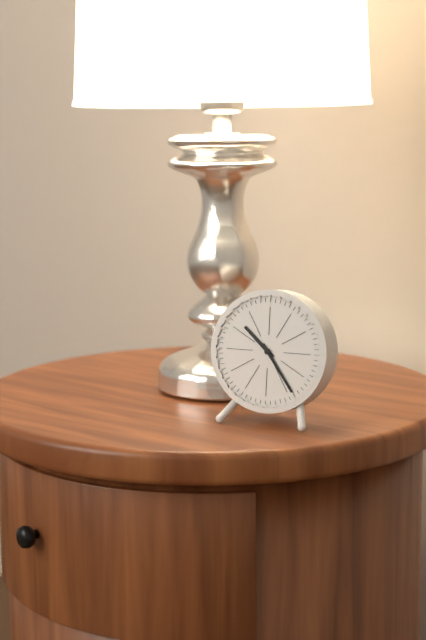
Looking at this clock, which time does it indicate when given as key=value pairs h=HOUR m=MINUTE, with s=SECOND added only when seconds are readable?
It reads h=10 m=24
